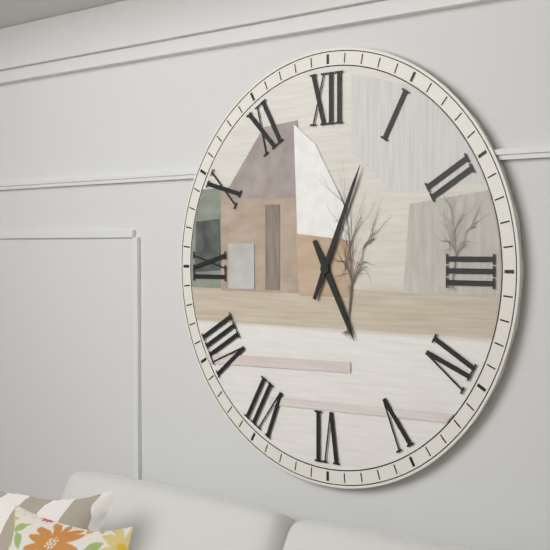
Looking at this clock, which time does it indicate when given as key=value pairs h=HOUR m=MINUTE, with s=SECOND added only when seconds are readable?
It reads h=5 m=4
